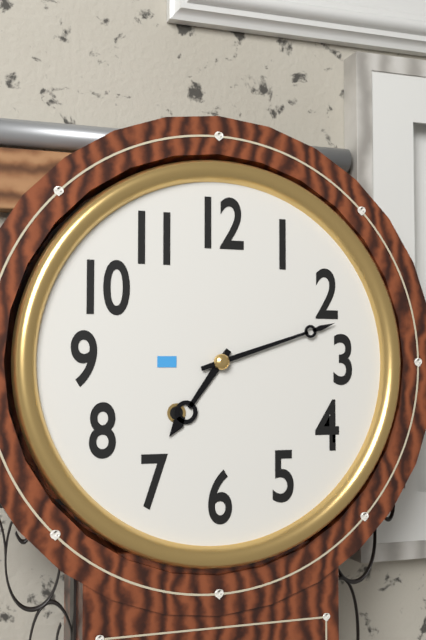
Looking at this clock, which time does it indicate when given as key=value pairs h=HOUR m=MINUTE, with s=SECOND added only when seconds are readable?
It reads h=7 m=12
